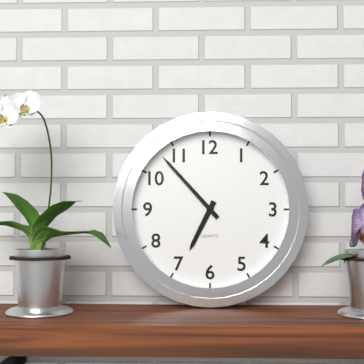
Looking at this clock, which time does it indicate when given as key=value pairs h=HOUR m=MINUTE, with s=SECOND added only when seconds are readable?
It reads h=6 m=53
